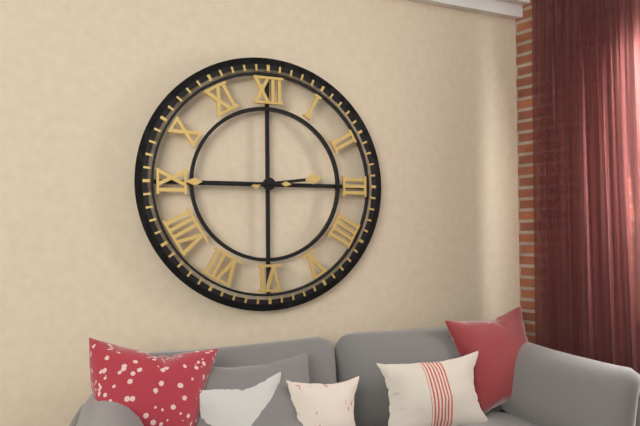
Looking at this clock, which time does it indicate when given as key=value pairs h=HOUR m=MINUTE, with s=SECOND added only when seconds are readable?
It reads h=2 m=45
